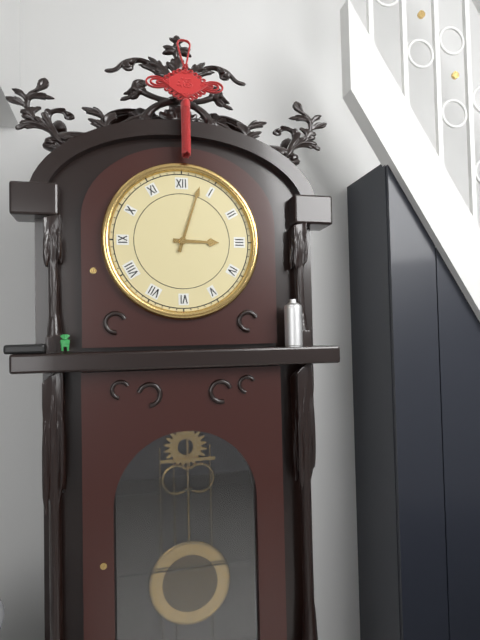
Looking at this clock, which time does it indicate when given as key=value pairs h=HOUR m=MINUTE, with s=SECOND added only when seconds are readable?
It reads h=3 m=3
